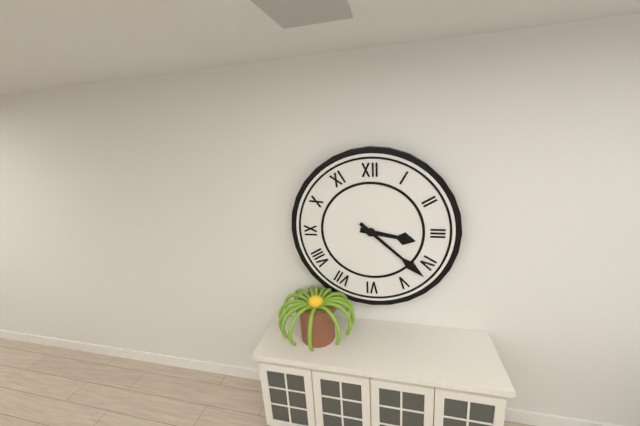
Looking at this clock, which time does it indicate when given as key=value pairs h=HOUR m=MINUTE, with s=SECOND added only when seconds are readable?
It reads h=3 m=22
